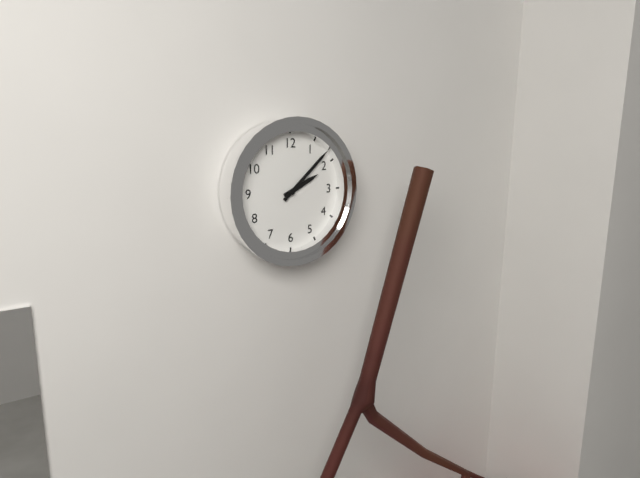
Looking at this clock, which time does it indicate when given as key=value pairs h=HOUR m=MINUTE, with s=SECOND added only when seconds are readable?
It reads h=2 m=8
